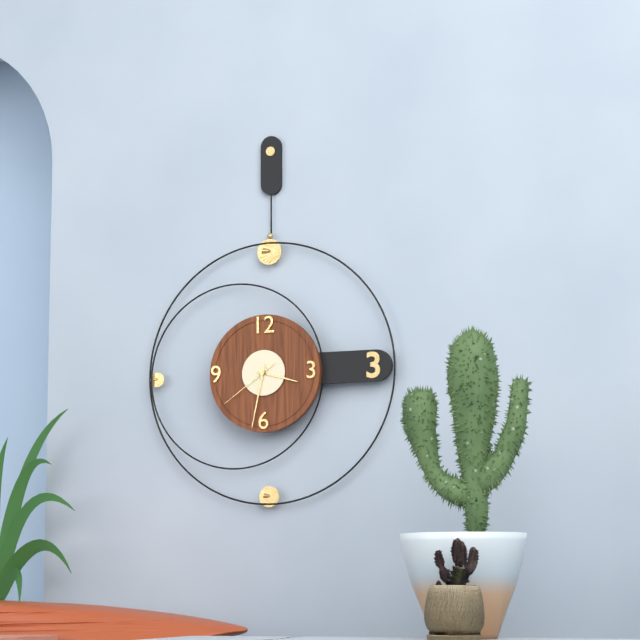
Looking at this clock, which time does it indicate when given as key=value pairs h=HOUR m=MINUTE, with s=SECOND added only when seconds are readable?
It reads h=3 m=32 s=39
